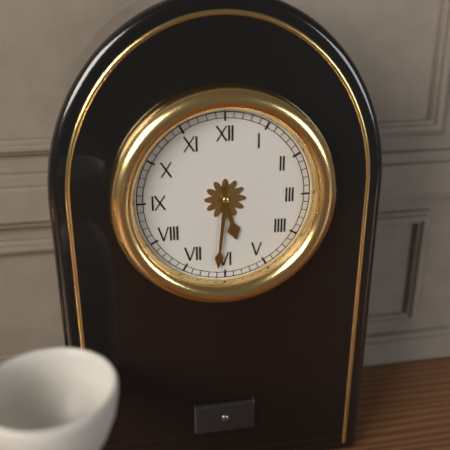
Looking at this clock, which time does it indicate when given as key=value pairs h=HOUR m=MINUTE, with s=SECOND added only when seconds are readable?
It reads h=5 m=31
